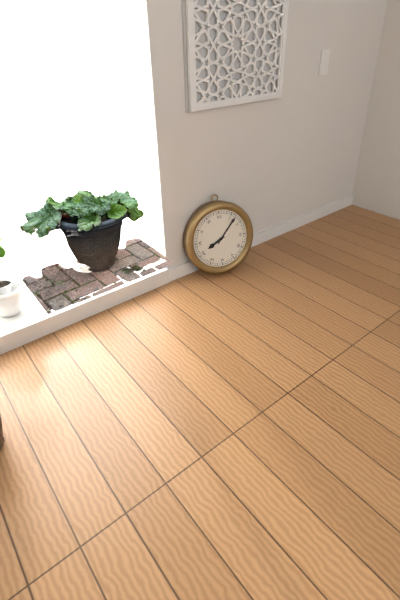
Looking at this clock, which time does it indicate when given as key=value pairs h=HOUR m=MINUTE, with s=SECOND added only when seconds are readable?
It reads h=8 m=7
